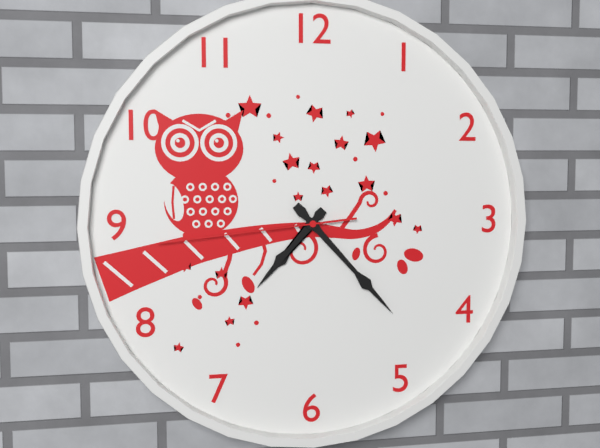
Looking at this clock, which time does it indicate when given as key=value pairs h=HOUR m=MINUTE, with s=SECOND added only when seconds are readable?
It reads h=7 m=23 s=44
